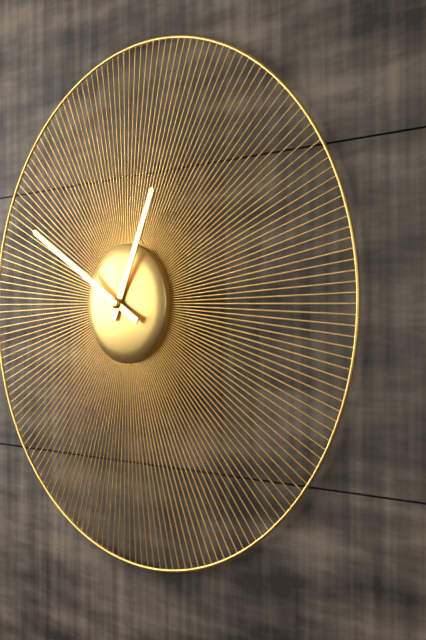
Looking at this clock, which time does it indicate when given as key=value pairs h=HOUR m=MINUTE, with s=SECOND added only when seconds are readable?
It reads h=12 m=50
